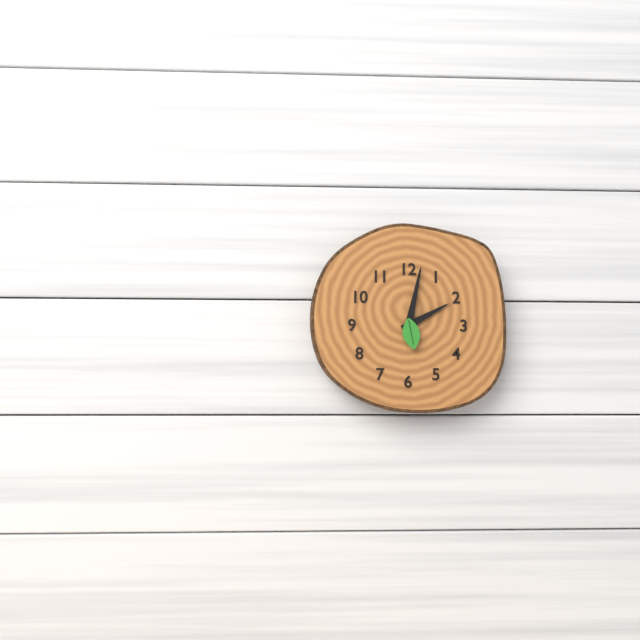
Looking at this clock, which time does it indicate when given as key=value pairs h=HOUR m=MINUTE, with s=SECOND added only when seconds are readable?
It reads h=2 m=2
